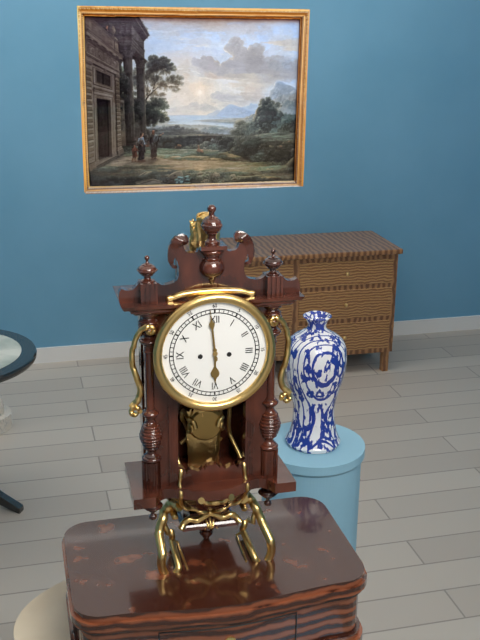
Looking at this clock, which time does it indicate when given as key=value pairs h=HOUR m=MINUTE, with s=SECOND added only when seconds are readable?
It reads h=5 m=59
